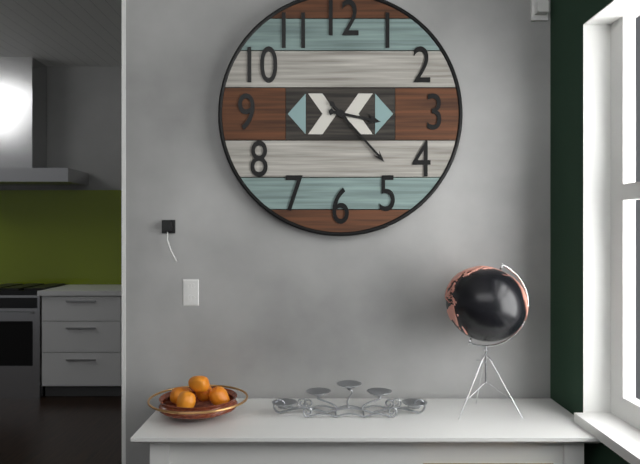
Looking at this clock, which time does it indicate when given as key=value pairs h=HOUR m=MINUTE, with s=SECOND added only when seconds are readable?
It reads h=3 m=23
